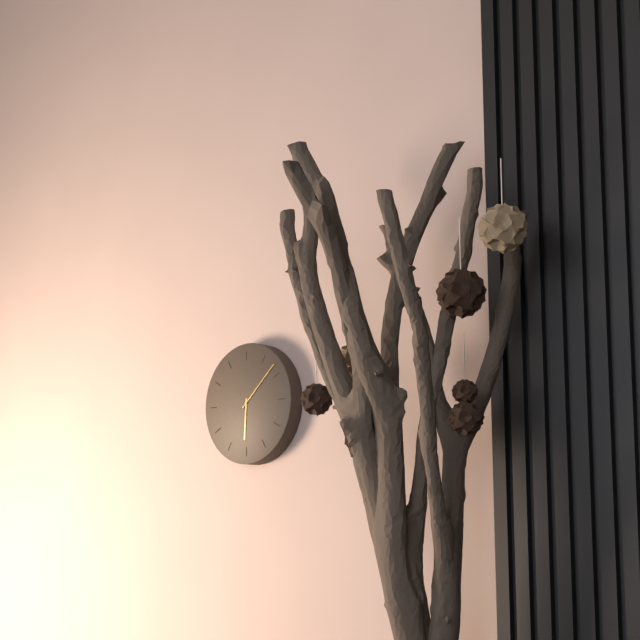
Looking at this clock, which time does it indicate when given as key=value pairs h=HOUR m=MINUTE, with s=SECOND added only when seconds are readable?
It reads h=6 m=8
